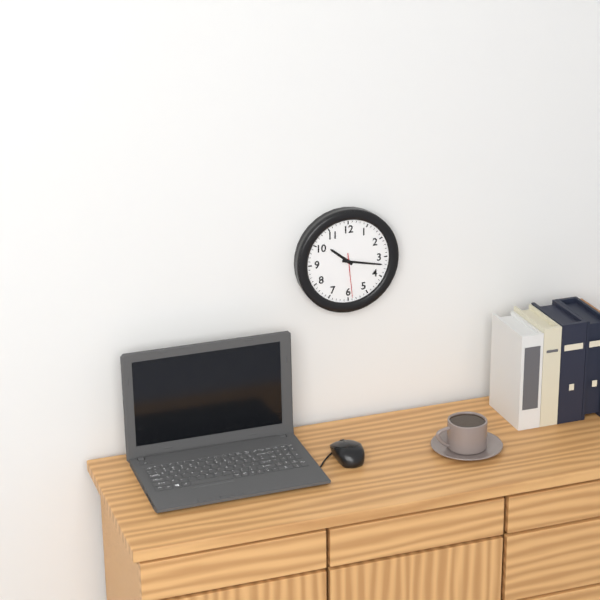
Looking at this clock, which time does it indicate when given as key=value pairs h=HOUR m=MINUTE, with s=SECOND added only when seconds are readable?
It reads h=10 m=17
